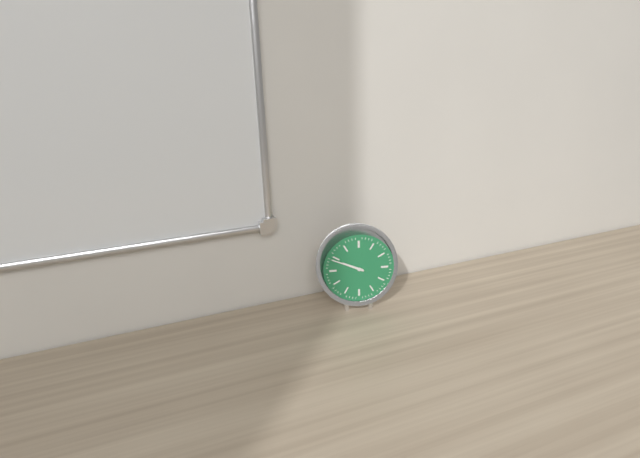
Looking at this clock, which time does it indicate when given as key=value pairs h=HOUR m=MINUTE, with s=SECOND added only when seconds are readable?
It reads h=9 m=49
